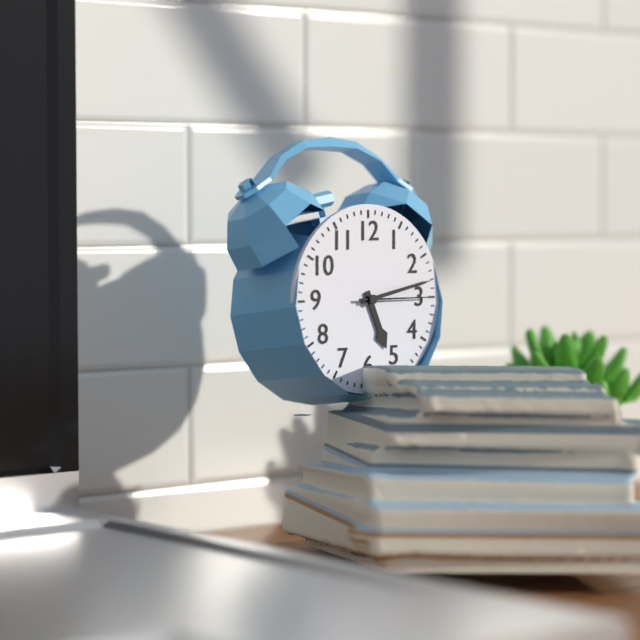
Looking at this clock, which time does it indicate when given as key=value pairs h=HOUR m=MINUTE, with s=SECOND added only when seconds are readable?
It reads h=5 m=13 s=15
